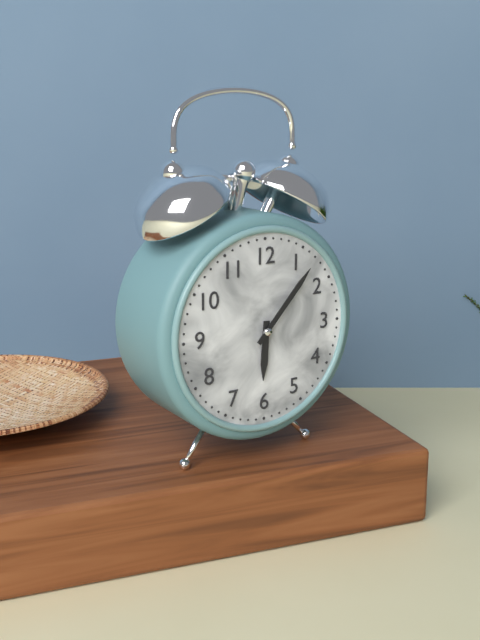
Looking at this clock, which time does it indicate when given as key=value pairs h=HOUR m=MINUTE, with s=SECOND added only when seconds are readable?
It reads h=6 m=7
